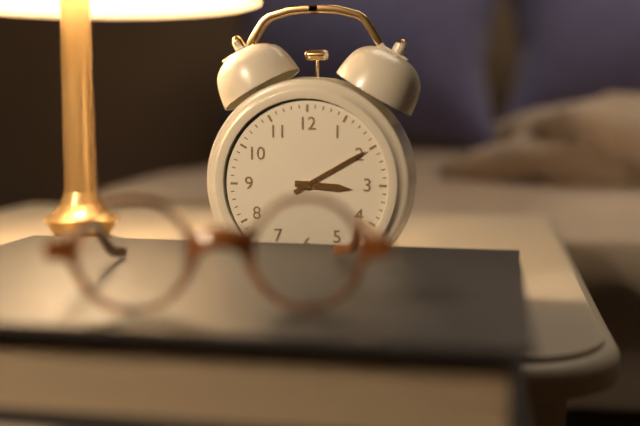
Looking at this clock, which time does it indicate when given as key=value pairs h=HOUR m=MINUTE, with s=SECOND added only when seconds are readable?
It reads h=3 m=10
